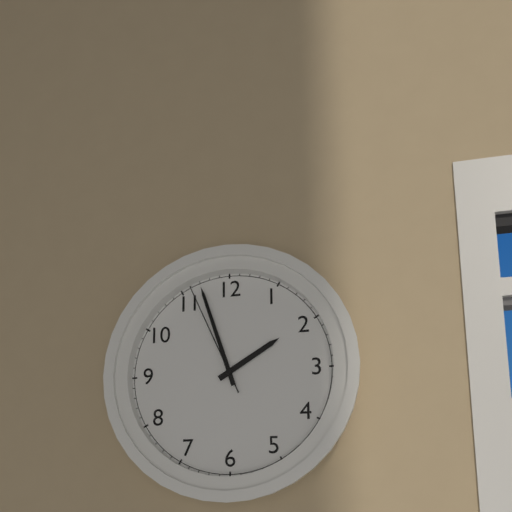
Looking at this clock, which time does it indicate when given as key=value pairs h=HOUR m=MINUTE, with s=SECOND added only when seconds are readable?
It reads h=1 m=57 s=56
